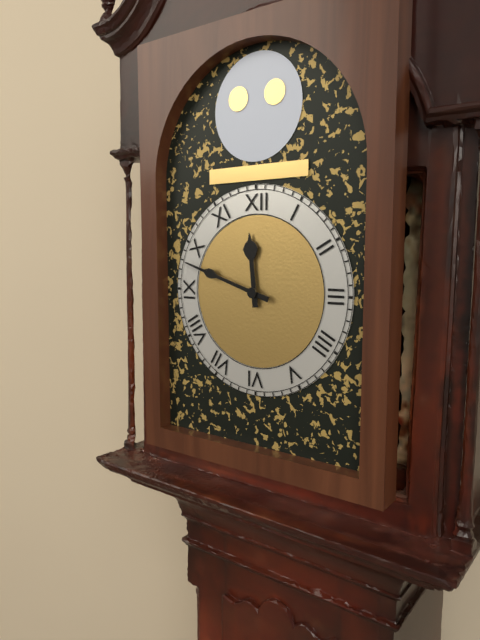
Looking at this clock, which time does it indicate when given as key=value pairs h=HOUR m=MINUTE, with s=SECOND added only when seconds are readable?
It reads h=11 m=48
